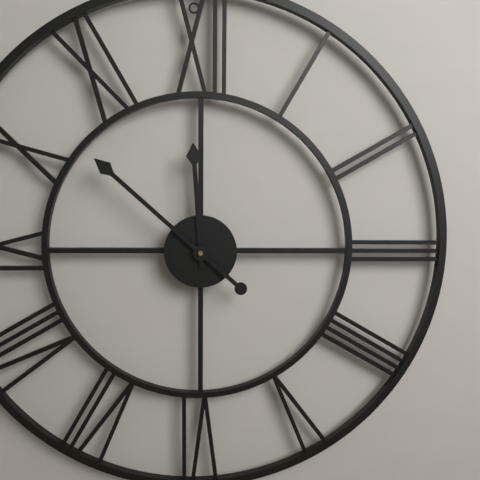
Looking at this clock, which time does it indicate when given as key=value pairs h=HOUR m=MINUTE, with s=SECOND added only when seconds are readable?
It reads h=11 m=52
